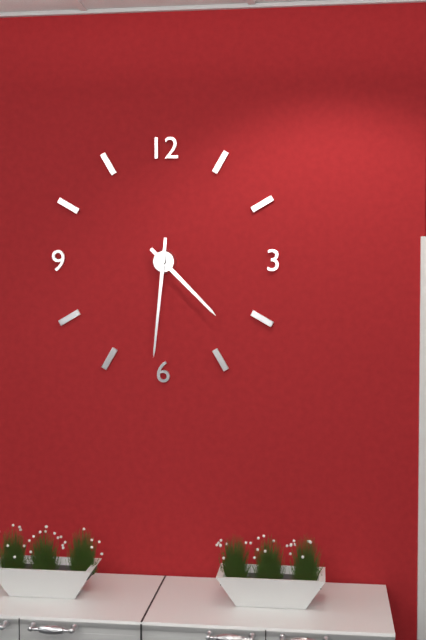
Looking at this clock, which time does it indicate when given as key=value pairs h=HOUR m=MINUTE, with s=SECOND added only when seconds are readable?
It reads h=4 m=31
